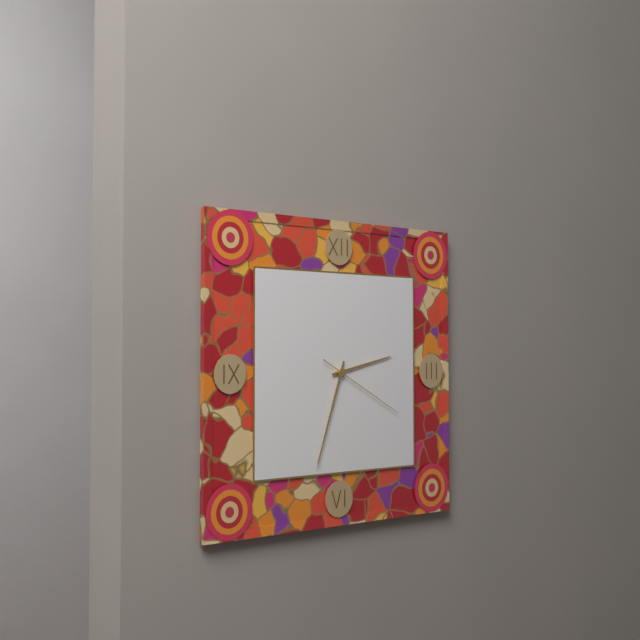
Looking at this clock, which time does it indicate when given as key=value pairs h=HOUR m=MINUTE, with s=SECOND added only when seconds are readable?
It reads h=2 m=33 s=20
